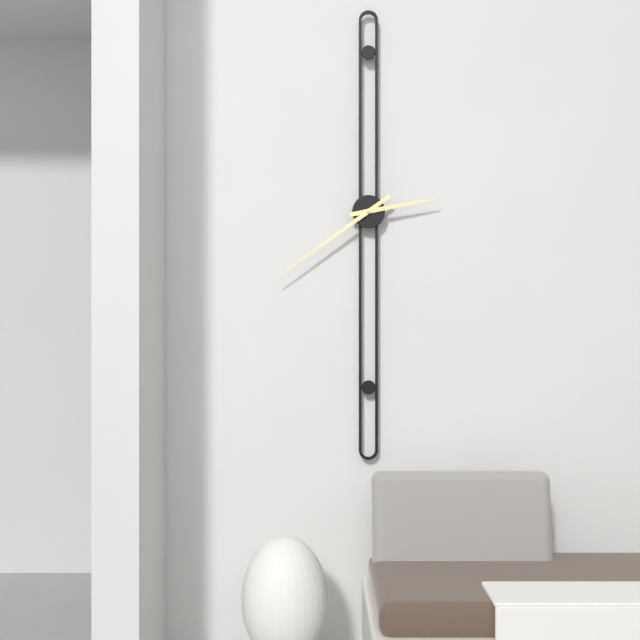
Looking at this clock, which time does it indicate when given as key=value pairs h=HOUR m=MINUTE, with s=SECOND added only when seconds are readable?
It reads h=2 m=39
